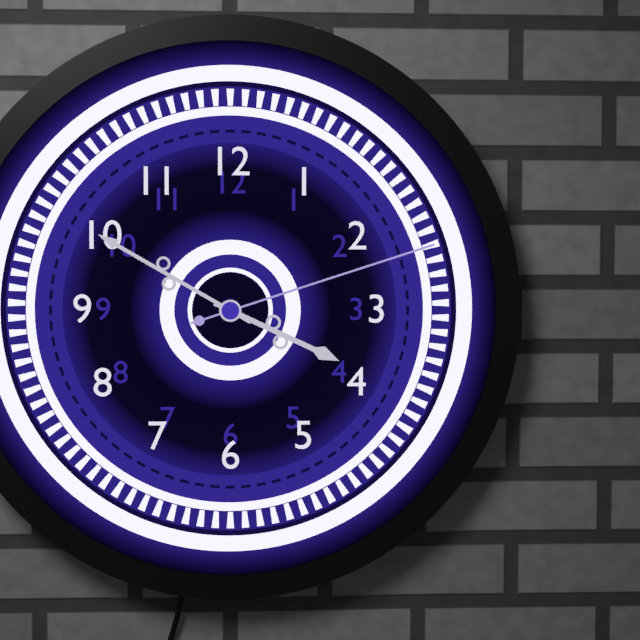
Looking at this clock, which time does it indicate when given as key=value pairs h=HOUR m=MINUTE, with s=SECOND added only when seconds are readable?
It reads h=3 m=50 s=12
